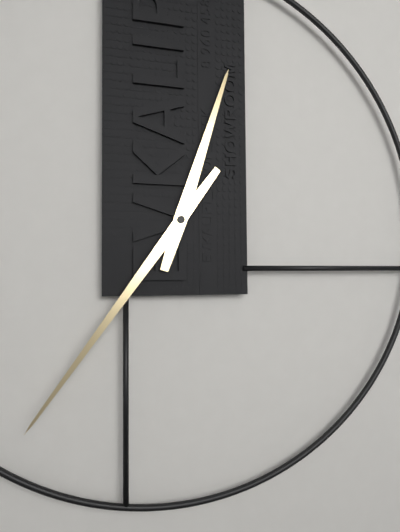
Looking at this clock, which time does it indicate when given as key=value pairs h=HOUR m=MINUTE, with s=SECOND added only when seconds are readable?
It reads h=12 m=36
